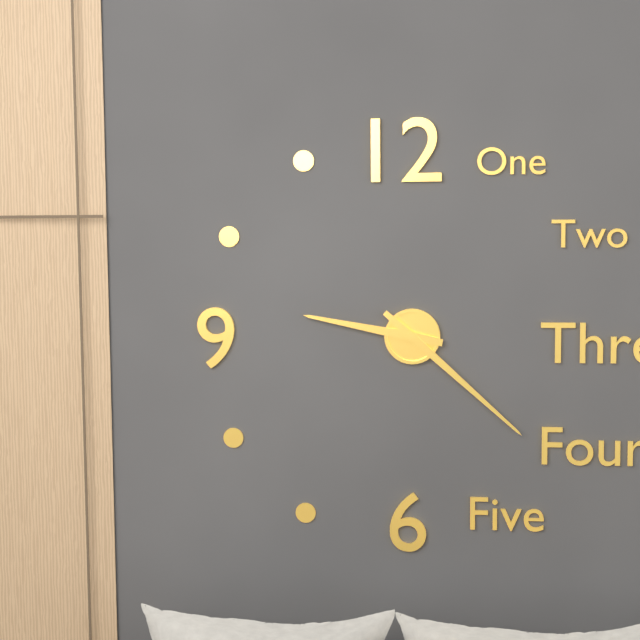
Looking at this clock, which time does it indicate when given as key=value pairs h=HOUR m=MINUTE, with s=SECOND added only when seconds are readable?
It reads h=9 m=22
